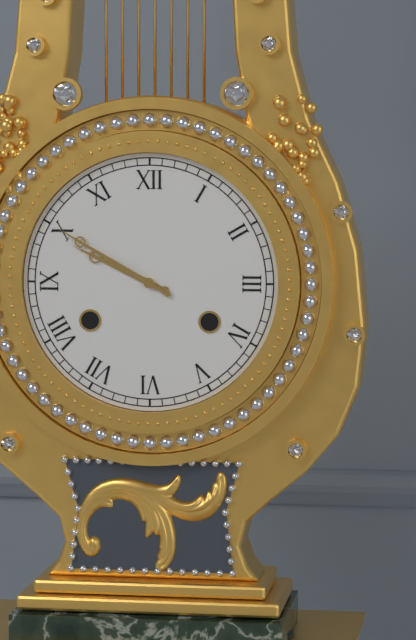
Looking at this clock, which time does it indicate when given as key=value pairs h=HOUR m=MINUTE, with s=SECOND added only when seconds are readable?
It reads h=9 m=50
